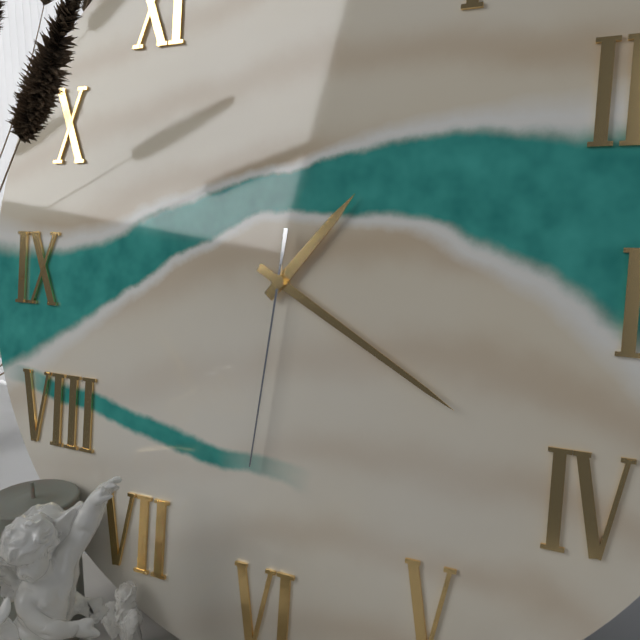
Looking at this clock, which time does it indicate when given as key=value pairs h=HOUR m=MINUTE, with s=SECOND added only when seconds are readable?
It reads h=1 m=20 s=31
